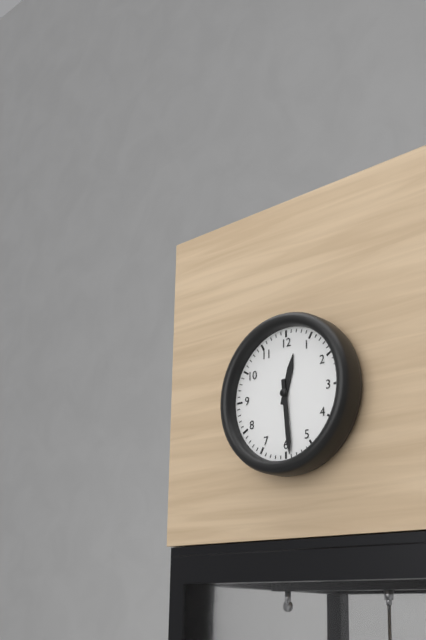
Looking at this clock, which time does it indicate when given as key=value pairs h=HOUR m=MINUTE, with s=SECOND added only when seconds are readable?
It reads h=12 m=29
